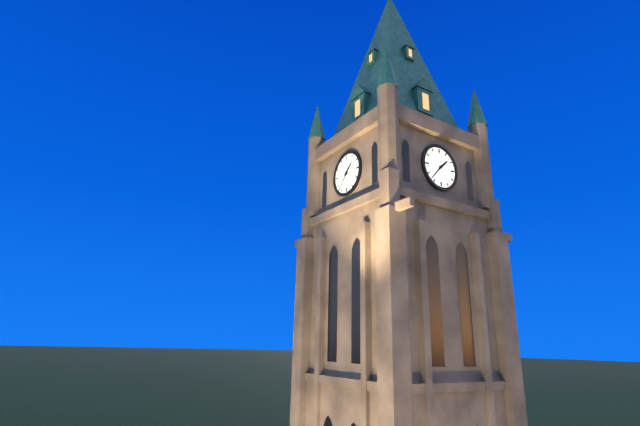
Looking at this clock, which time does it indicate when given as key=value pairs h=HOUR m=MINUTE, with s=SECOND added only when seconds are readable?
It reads h=1 m=37
